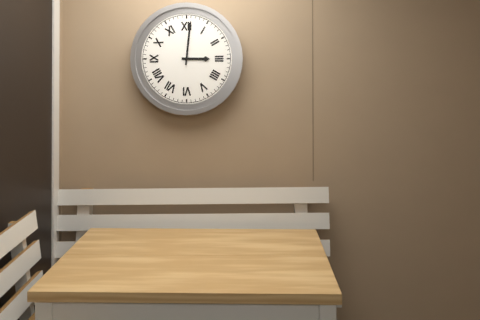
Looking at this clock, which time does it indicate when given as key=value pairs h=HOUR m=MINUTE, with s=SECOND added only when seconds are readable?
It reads h=3 m=1
